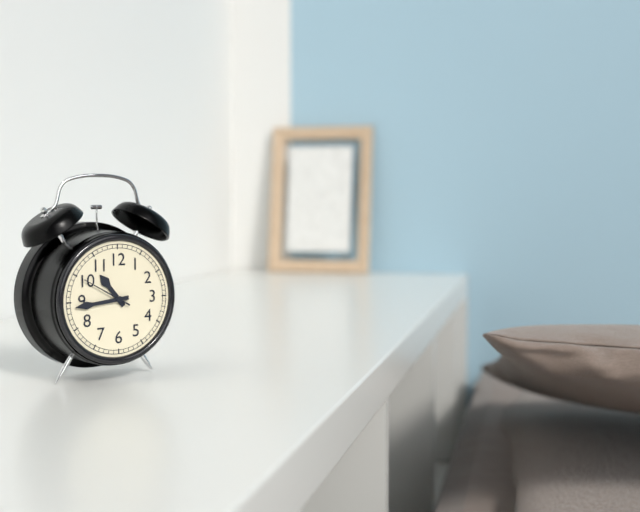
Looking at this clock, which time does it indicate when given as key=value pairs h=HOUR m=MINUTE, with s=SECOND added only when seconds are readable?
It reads h=10 m=44
